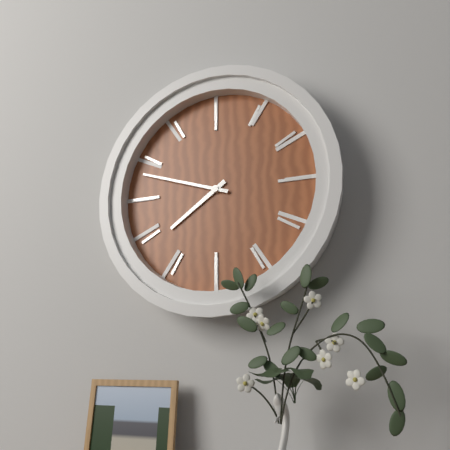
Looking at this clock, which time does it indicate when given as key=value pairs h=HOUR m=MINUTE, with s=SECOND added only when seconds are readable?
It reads h=7 m=48
